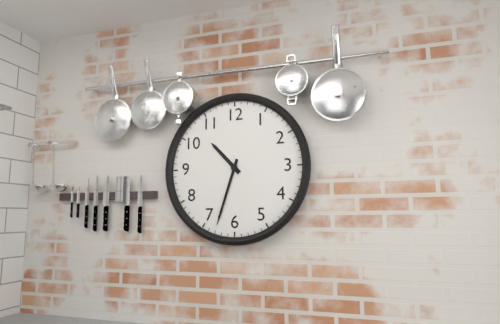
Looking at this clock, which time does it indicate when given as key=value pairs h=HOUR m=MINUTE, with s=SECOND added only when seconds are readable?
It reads h=10 m=33
